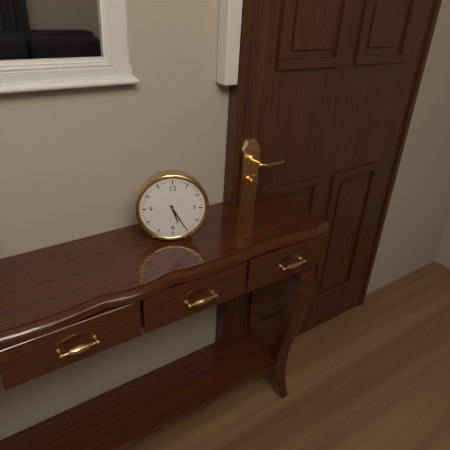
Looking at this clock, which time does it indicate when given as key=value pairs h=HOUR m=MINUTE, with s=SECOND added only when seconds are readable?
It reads h=5 m=25
